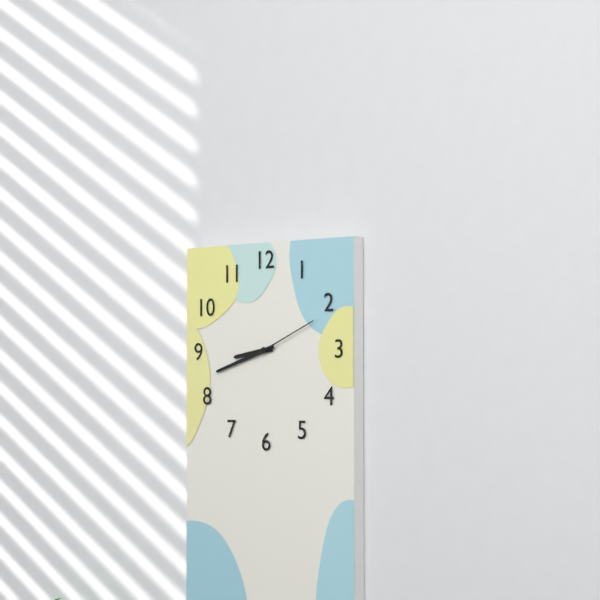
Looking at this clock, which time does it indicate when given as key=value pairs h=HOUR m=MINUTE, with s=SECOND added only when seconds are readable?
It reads h=8 m=42 s=11
